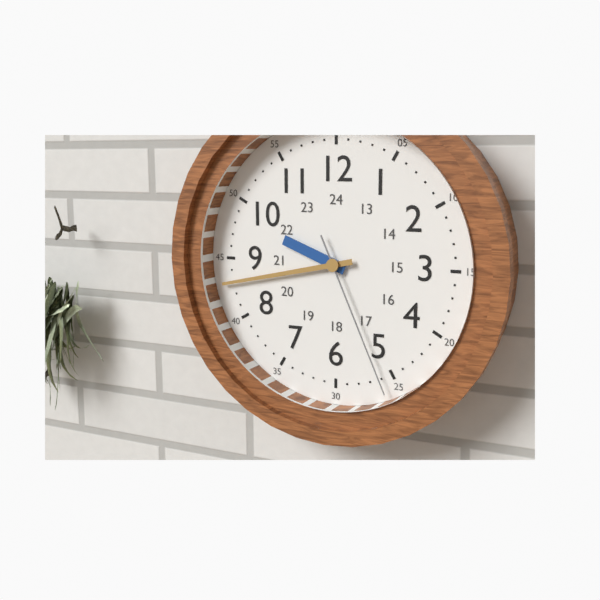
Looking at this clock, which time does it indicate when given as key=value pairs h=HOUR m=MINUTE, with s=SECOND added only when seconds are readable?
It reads h=9 m=43 s=26
